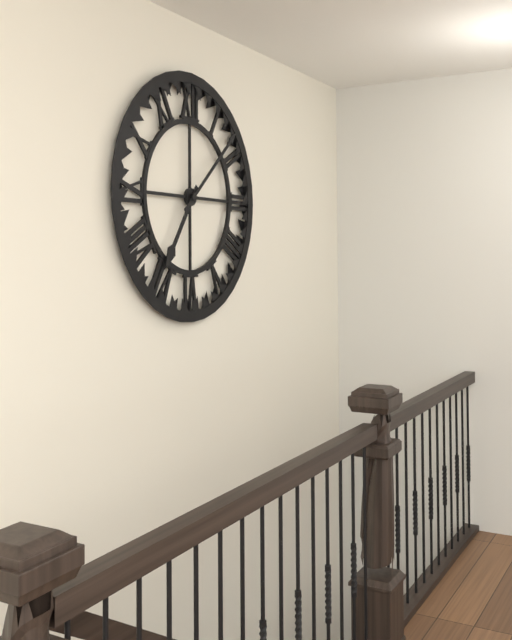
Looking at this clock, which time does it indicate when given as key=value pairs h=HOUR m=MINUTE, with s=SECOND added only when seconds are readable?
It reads h=7 m=8
